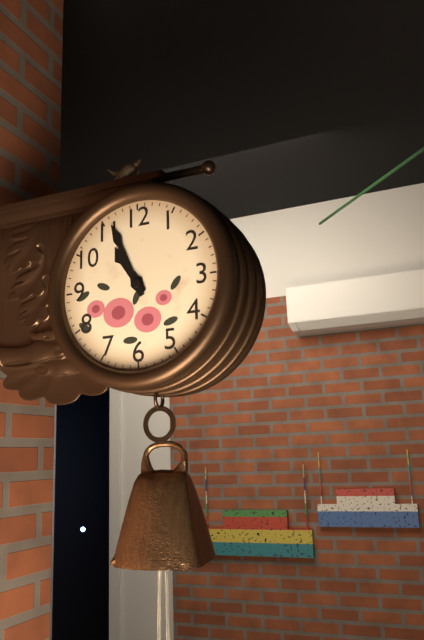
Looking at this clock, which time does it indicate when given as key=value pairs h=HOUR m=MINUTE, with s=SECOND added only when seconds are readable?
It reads h=10 m=56
